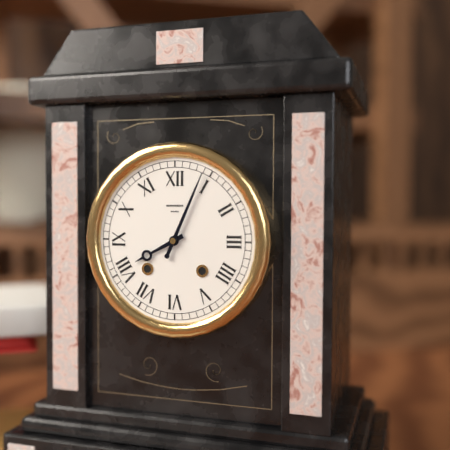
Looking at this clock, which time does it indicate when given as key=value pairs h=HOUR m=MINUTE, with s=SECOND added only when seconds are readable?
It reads h=8 m=4
